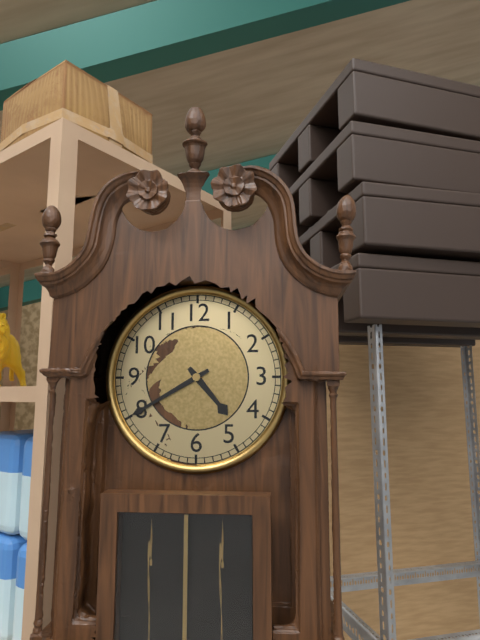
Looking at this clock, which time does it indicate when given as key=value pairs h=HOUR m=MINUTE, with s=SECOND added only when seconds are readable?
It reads h=4 m=40
